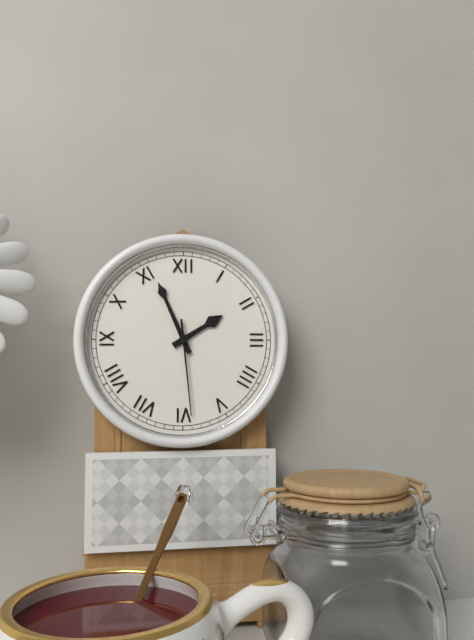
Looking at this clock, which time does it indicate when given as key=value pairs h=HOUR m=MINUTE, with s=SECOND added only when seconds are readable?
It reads h=1 m=56 s=29
